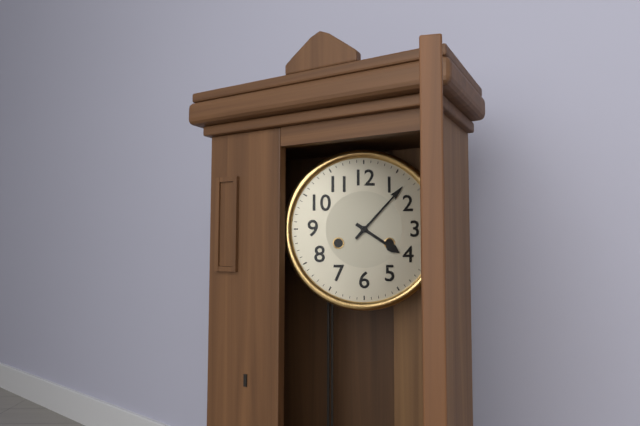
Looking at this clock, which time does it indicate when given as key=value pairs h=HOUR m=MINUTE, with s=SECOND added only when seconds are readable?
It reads h=4 m=7
